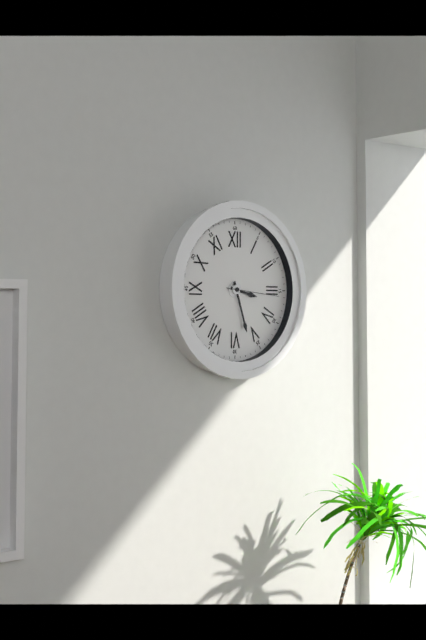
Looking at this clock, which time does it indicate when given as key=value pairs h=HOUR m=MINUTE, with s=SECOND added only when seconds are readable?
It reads h=3 m=27 s=16
